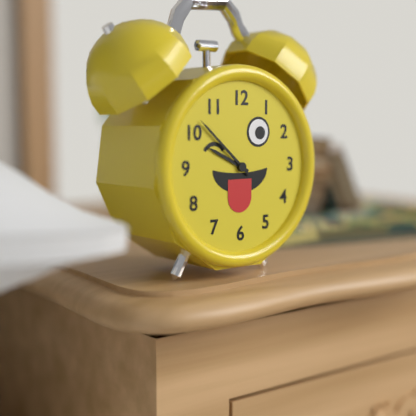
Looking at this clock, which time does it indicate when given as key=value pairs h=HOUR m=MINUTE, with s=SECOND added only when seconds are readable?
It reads h=9 m=52
